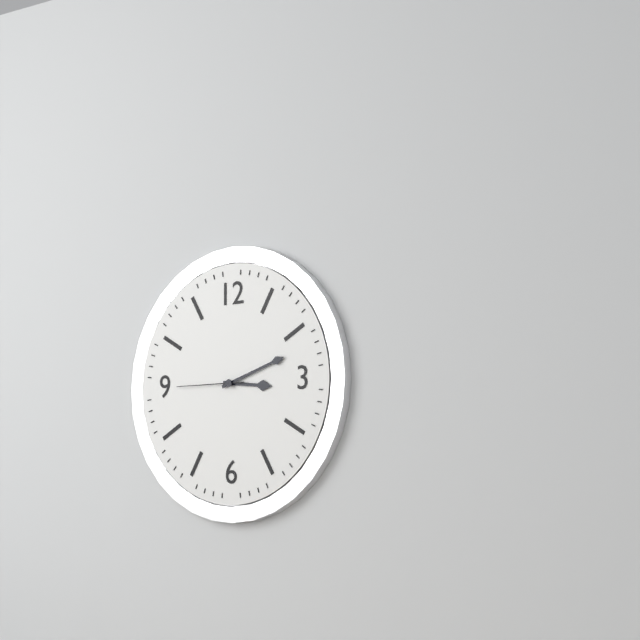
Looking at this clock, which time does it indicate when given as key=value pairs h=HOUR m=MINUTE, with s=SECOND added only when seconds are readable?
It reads h=3 m=12 s=45
